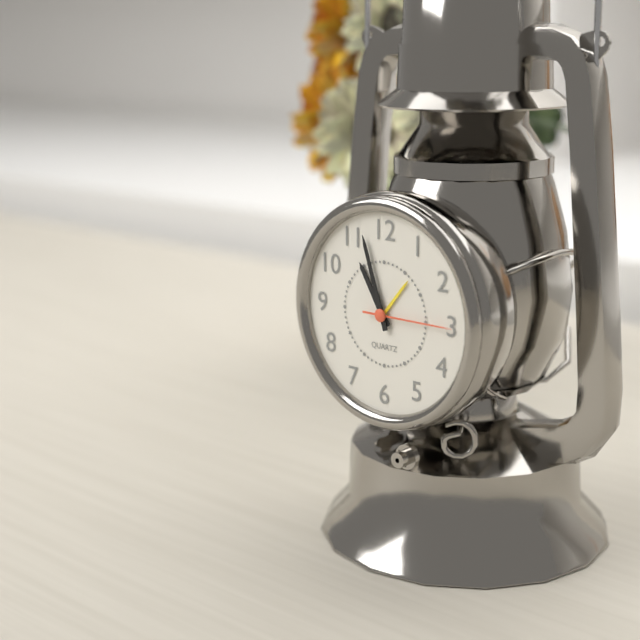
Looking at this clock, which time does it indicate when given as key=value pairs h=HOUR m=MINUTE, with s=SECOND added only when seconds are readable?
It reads h=10 m=57 s=15
